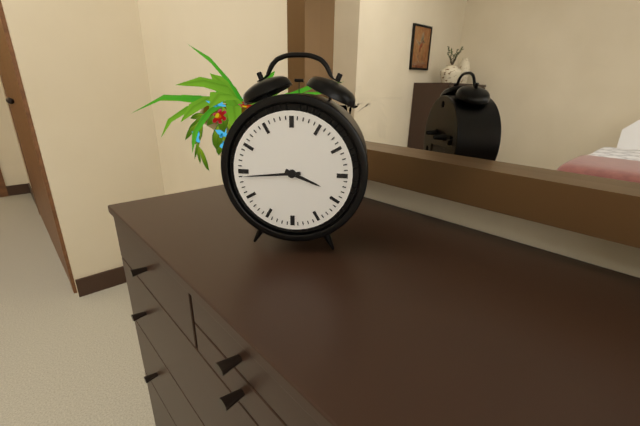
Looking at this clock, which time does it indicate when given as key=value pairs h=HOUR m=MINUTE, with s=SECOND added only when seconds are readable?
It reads h=3 m=44
